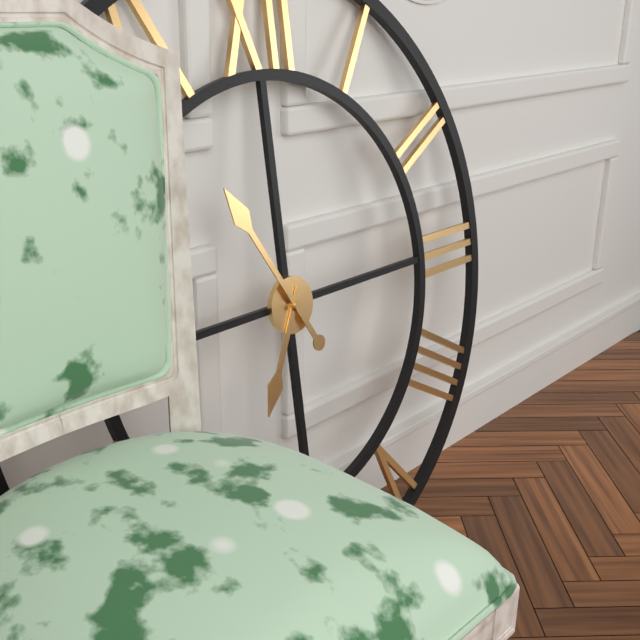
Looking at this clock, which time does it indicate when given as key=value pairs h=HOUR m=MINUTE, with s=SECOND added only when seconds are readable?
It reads h=6 m=55
